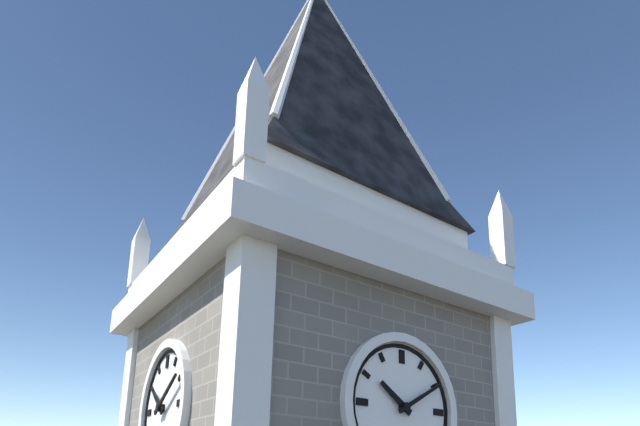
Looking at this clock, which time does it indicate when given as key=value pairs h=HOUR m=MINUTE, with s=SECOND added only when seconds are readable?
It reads h=10 m=10
